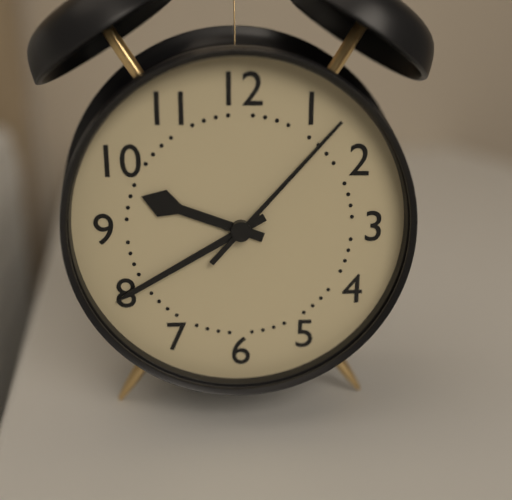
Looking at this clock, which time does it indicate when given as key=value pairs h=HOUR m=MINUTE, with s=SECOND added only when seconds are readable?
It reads h=9 m=40 s=7
